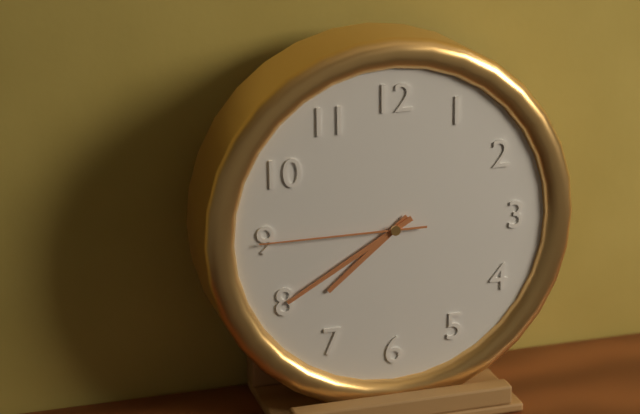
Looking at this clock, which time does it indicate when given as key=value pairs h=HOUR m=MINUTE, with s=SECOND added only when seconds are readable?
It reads h=7 m=40 s=45
